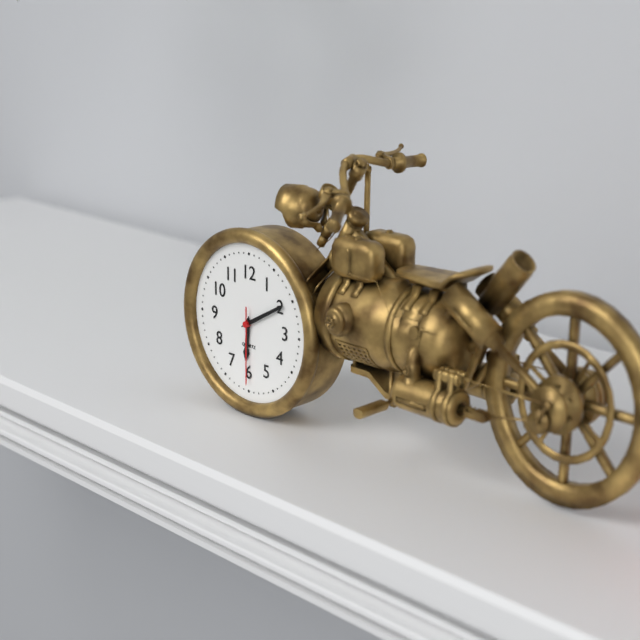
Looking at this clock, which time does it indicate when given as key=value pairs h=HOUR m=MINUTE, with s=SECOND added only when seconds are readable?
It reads h=6 m=10 s=30
